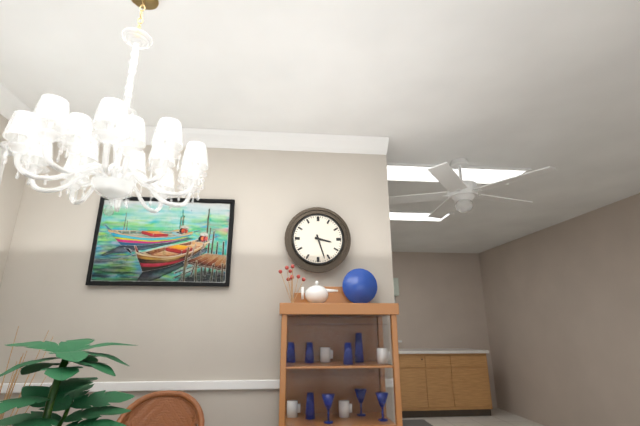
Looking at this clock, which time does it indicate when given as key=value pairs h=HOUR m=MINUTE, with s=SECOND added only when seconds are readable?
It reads h=3 m=27
